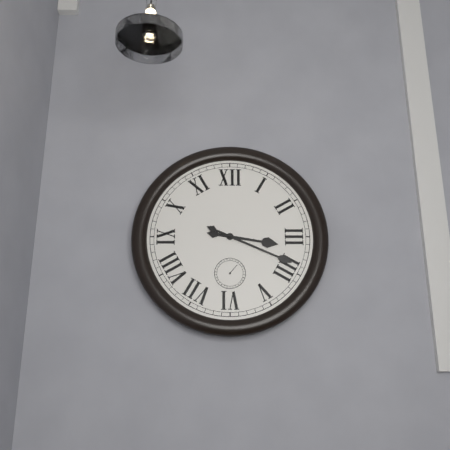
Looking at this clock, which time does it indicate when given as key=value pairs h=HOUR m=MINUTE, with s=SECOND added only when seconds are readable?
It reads h=3 m=19
